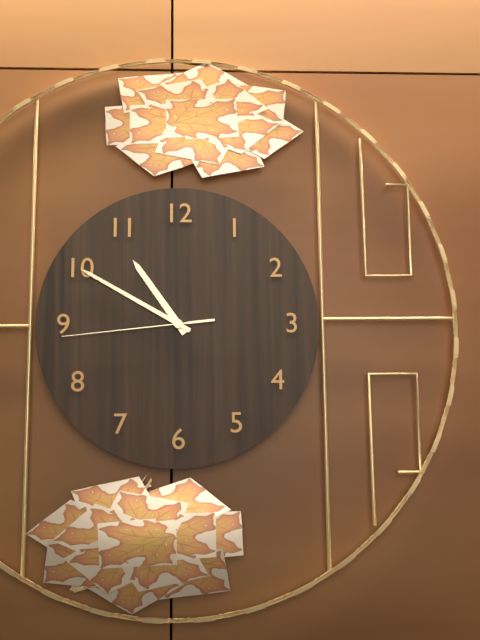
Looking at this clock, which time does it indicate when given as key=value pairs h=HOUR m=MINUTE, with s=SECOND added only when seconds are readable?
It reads h=10 m=50 s=44
